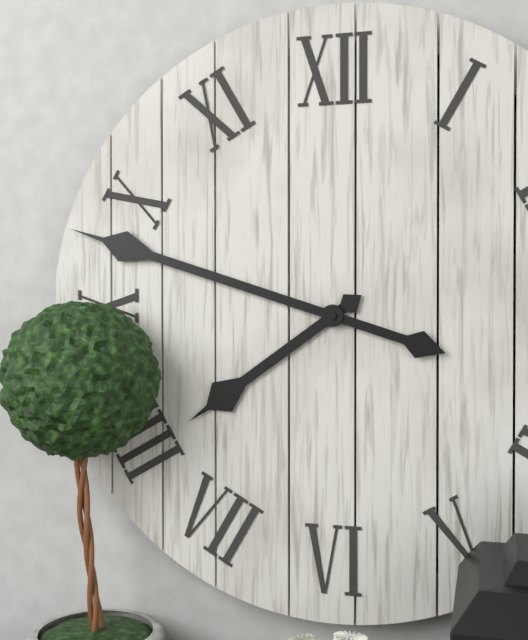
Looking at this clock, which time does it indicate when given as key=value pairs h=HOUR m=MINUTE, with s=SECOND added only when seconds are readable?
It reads h=7 m=48
